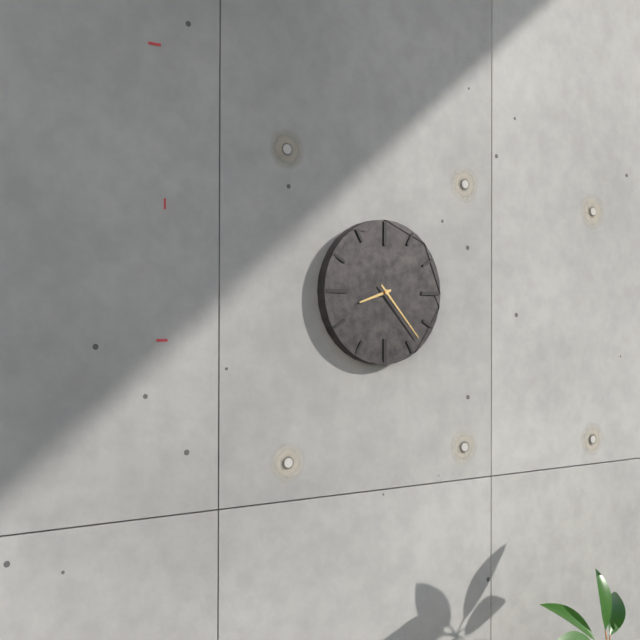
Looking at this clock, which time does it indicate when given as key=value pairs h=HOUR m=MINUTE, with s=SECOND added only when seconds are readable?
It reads h=8 m=23
